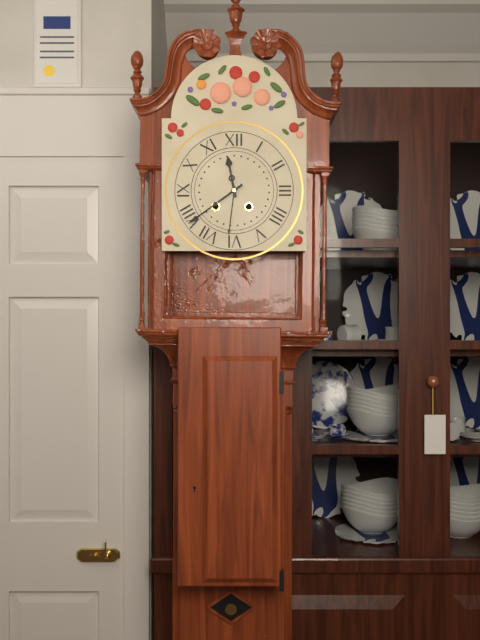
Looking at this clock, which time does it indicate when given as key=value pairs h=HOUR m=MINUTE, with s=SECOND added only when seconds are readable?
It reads h=11 m=39
